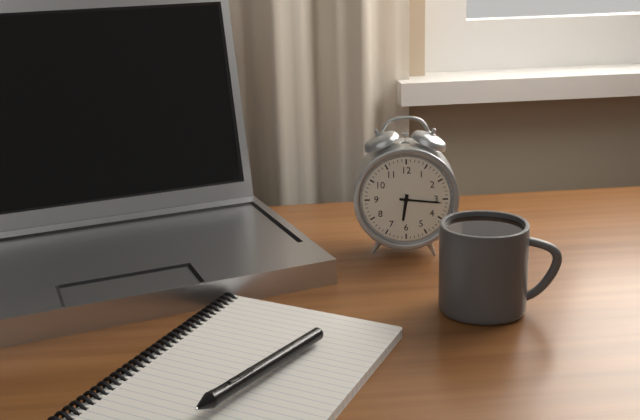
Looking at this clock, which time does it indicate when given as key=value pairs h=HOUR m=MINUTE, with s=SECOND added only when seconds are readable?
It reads h=6 m=16
